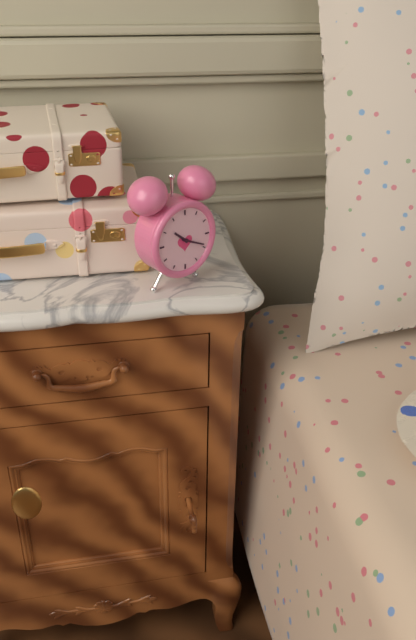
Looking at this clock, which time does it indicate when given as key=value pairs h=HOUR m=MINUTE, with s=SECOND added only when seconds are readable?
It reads h=10 m=19
